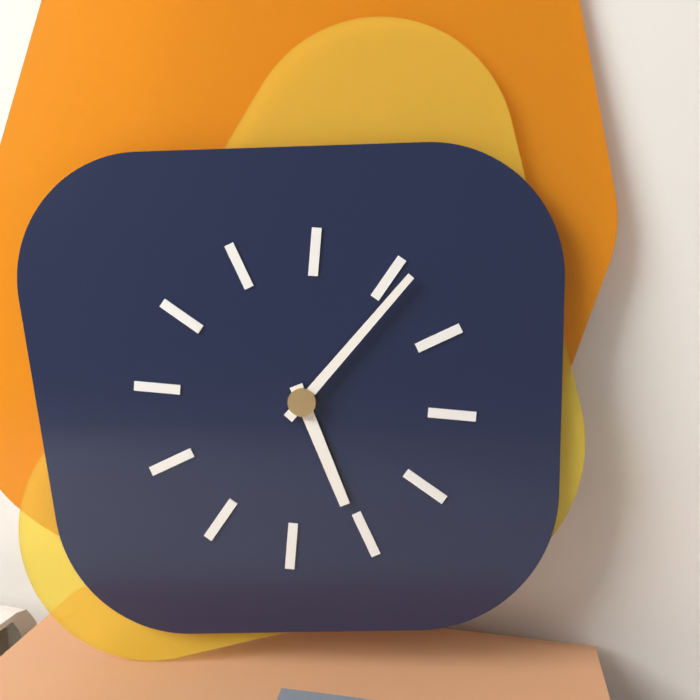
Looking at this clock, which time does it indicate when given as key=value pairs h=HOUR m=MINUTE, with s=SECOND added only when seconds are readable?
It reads h=5 m=6
